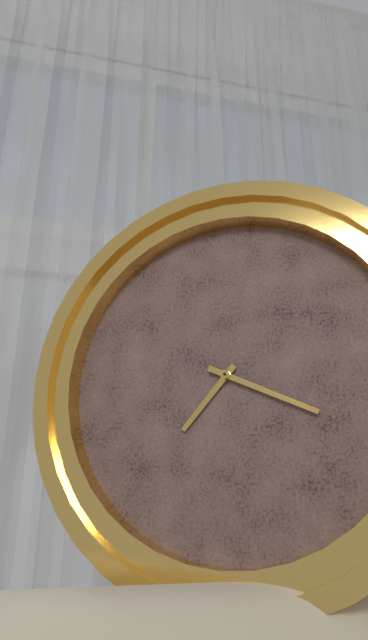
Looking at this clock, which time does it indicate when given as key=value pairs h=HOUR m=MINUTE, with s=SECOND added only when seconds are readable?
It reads h=7 m=19
